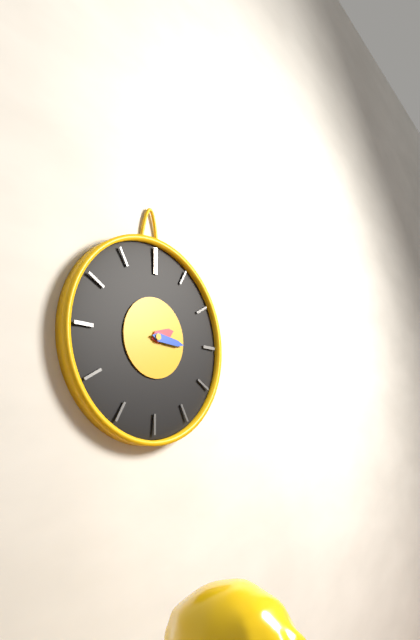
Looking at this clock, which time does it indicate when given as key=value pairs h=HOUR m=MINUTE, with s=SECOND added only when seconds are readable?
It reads h=2 m=16
